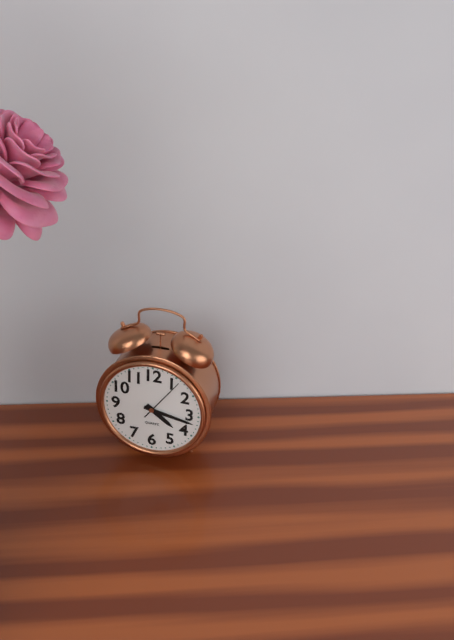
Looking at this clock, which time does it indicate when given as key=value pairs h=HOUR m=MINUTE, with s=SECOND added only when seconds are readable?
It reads h=4 m=17
